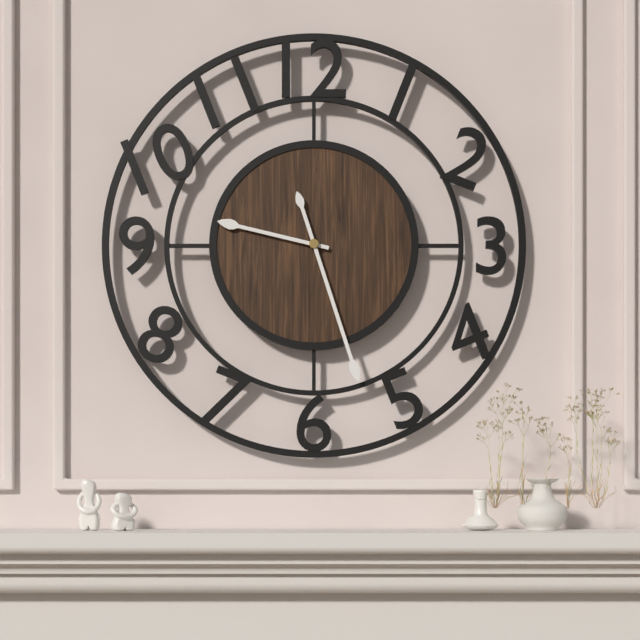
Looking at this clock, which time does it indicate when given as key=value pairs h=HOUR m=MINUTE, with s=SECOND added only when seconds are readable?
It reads h=9 m=27
